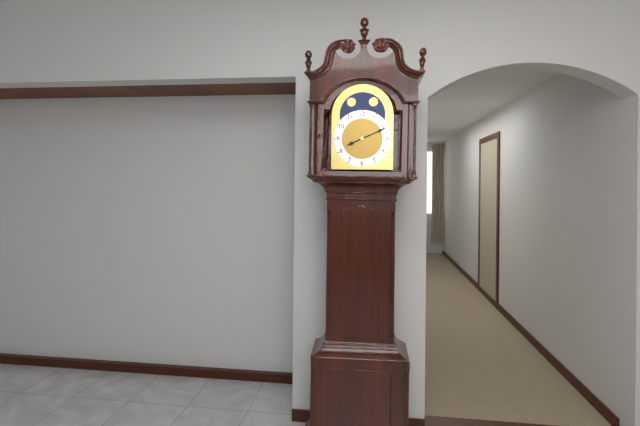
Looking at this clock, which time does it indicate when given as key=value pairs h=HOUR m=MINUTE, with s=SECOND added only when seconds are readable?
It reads h=8 m=11
